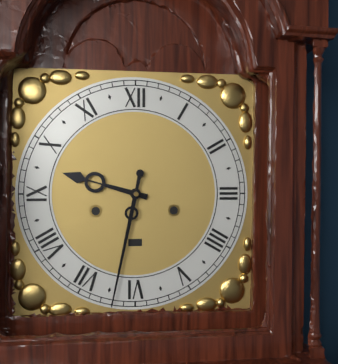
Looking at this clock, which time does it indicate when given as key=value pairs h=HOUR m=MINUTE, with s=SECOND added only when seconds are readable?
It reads h=9 m=32
